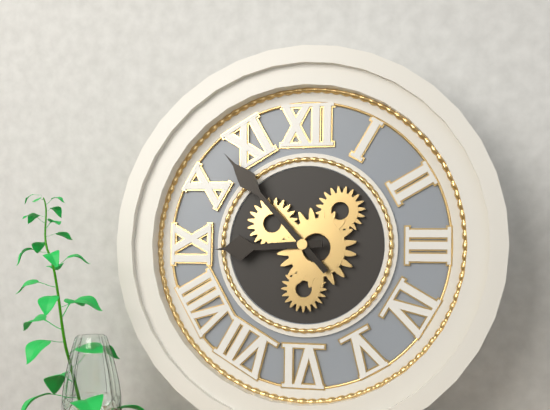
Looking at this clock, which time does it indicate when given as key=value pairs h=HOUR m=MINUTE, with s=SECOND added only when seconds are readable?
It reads h=8 m=53
